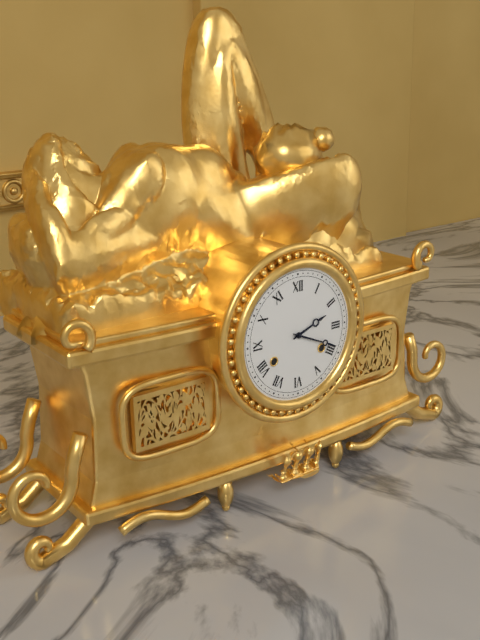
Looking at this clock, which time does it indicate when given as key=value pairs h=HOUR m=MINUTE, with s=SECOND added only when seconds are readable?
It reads h=2 m=19
